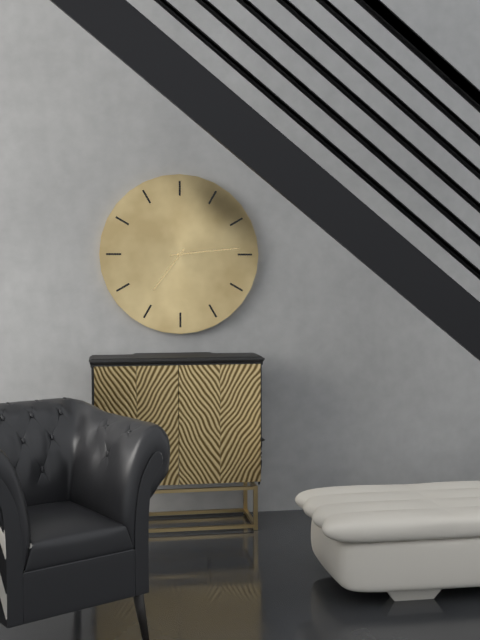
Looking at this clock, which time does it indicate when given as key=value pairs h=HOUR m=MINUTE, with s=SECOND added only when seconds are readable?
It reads h=7 m=14
